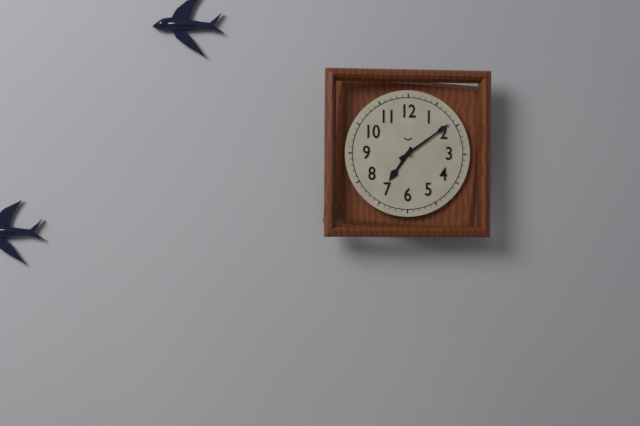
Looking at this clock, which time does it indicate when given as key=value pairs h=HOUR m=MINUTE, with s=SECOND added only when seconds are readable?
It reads h=7 m=9
